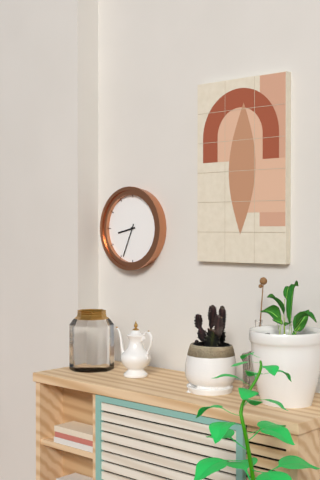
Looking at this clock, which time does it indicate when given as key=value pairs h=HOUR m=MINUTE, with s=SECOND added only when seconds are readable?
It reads h=8 m=34
